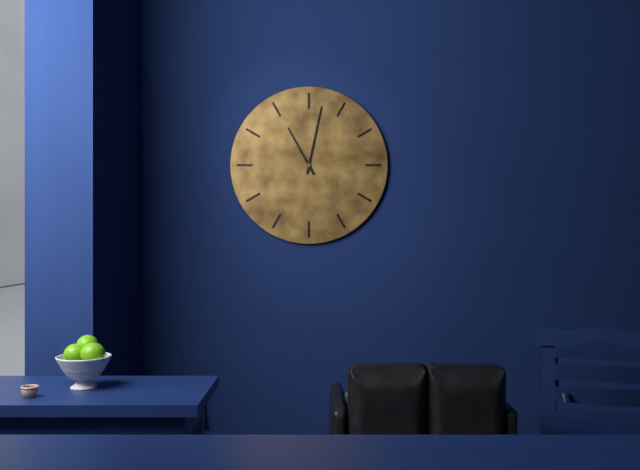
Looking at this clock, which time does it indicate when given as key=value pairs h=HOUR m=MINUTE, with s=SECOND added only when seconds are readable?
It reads h=11 m=2
